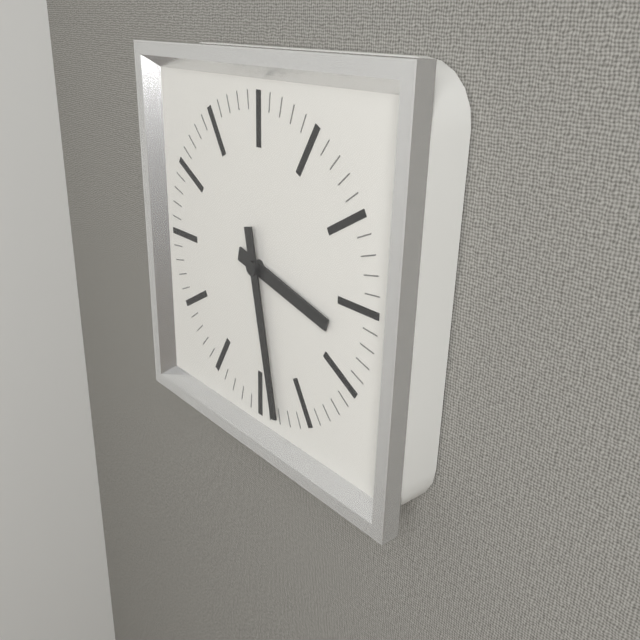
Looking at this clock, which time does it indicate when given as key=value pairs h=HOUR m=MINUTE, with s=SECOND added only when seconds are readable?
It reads h=3 m=28
